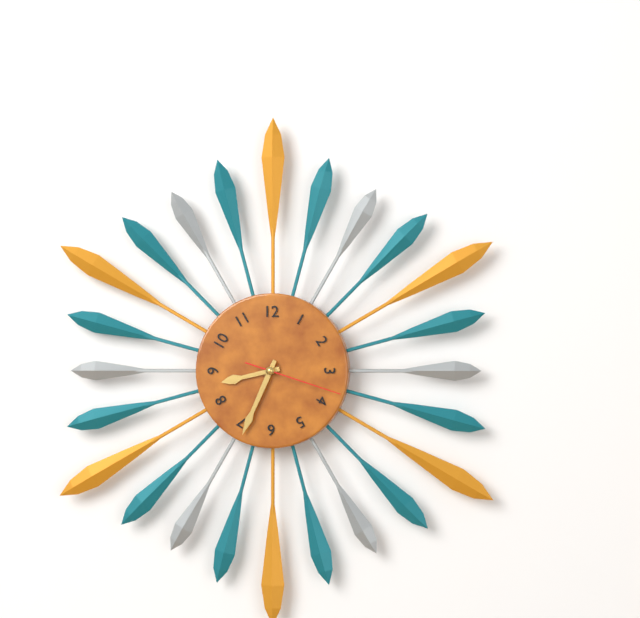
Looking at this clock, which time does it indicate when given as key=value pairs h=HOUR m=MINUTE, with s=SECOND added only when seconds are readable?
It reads h=8 m=34 s=18
